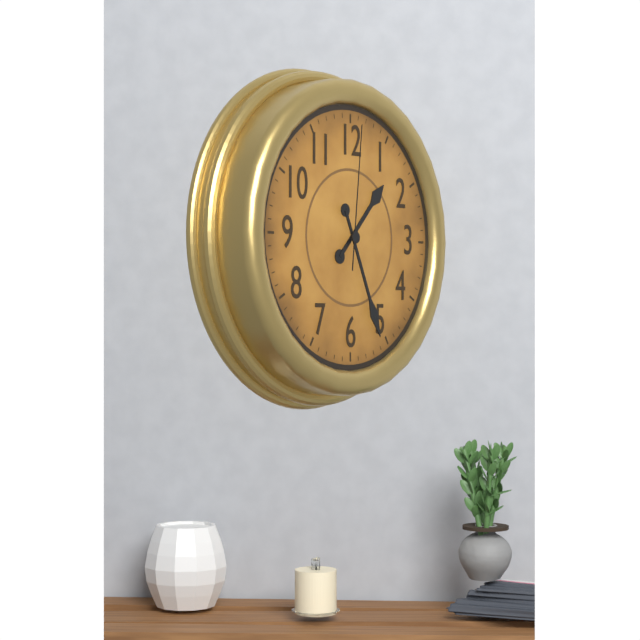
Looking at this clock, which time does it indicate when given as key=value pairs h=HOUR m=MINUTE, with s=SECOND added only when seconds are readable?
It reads h=1 m=26 s=1
